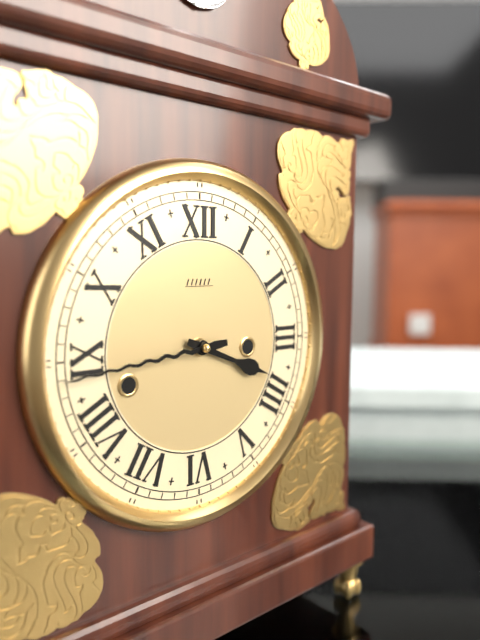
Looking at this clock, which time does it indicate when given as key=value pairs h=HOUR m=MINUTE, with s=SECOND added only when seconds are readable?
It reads h=3 m=44
